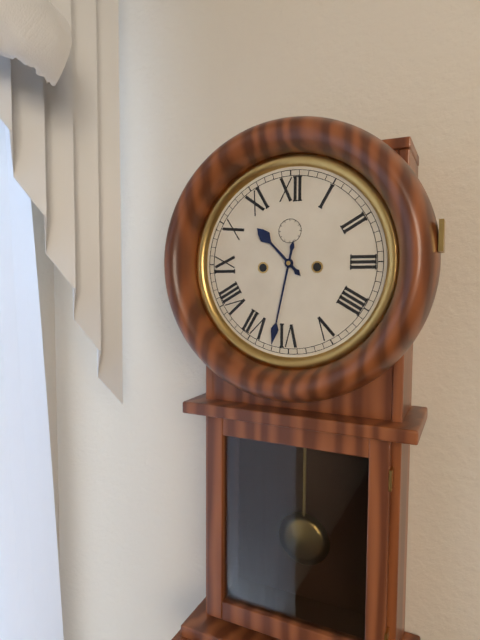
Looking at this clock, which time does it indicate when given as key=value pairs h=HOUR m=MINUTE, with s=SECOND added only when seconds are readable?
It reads h=10 m=32
